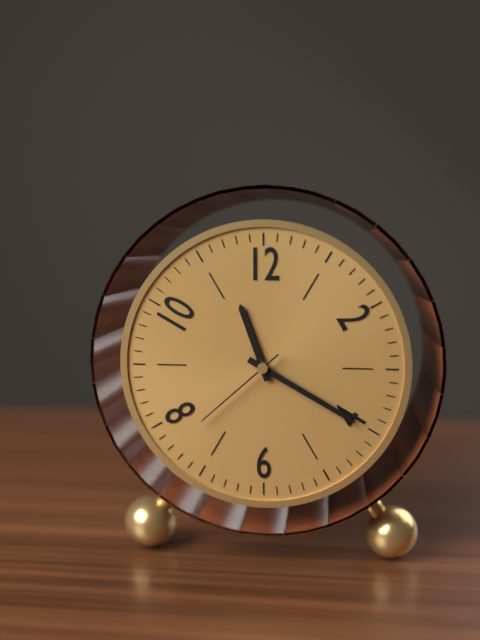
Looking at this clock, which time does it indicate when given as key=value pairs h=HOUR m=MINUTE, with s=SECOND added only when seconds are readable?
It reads h=11 m=20 s=38
